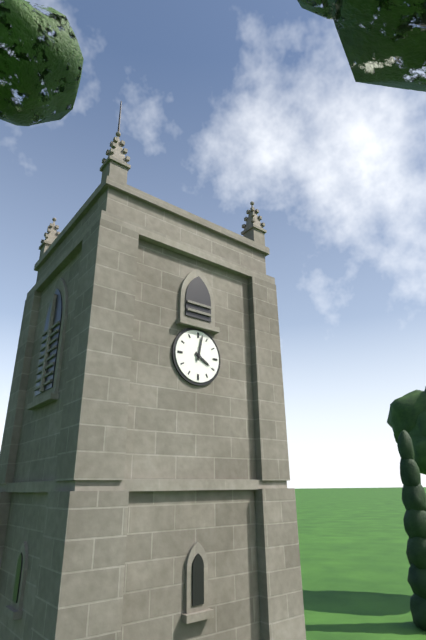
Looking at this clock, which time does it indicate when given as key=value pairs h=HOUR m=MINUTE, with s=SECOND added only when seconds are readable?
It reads h=4 m=2
